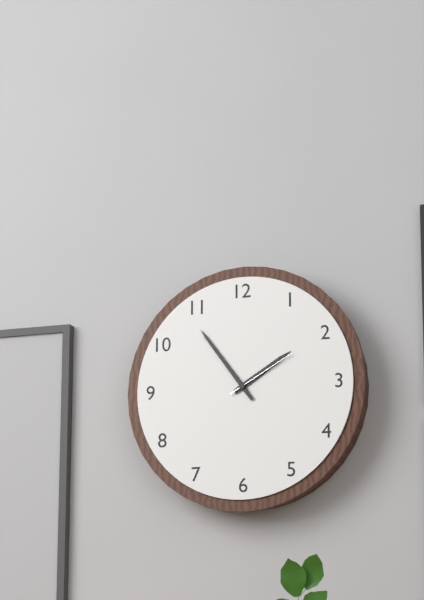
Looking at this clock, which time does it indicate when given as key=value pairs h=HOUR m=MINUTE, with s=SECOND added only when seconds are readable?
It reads h=1 m=54 s=10
